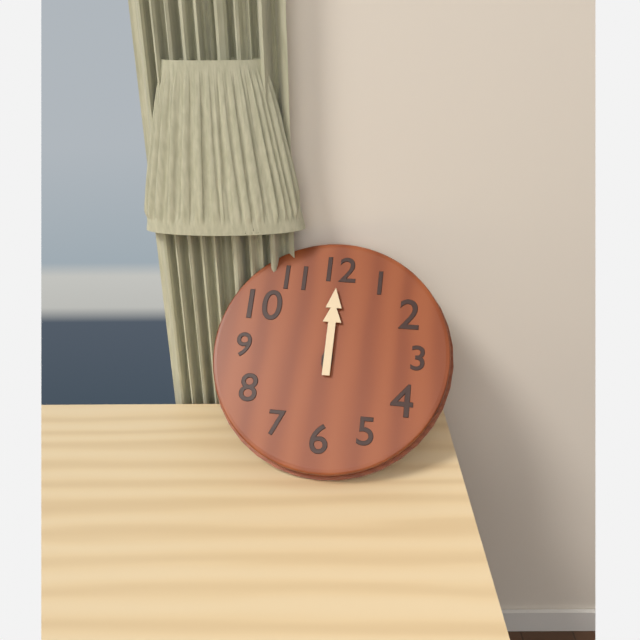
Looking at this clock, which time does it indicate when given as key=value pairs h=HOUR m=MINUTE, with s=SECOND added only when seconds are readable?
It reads h=6 m=0
